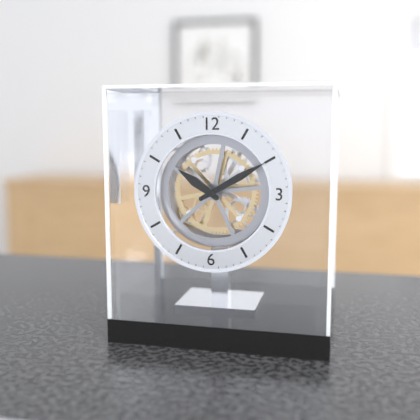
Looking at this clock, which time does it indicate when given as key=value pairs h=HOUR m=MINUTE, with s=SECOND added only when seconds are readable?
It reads h=10 m=10
